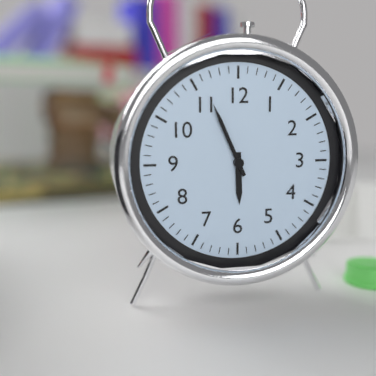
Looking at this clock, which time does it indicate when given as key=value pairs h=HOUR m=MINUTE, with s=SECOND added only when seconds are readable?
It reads h=5 m=56
